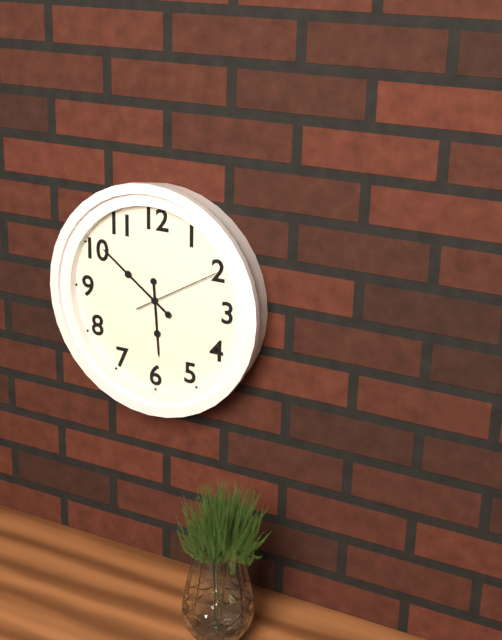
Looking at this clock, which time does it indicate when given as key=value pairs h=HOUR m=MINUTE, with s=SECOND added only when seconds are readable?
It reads h=5 m=51 s=10
